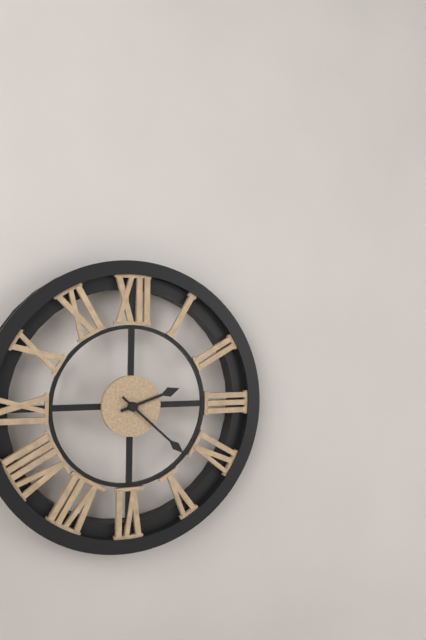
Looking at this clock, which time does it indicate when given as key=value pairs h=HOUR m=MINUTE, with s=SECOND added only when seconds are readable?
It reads h=2 m=22
